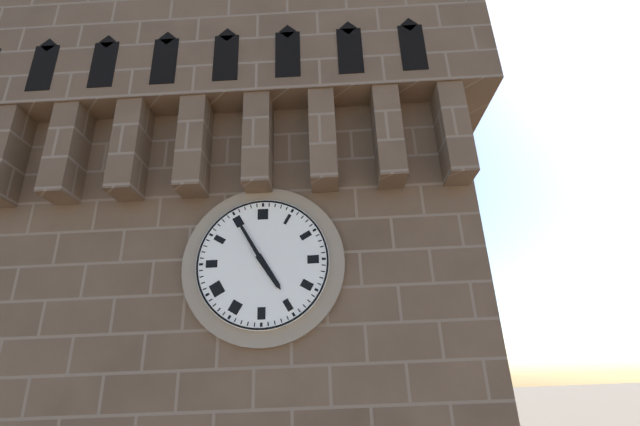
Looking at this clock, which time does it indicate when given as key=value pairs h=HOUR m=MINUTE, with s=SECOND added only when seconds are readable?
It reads h=4 m=55
